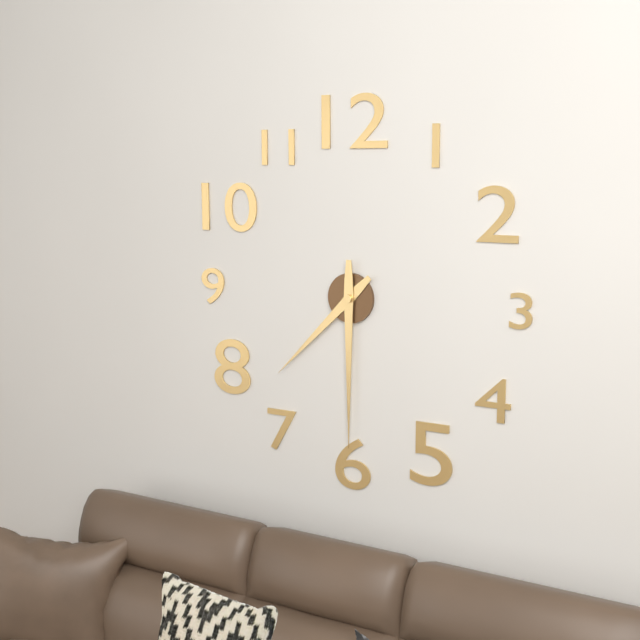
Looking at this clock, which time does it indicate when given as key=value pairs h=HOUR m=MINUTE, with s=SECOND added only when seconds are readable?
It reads h=7 m=30
